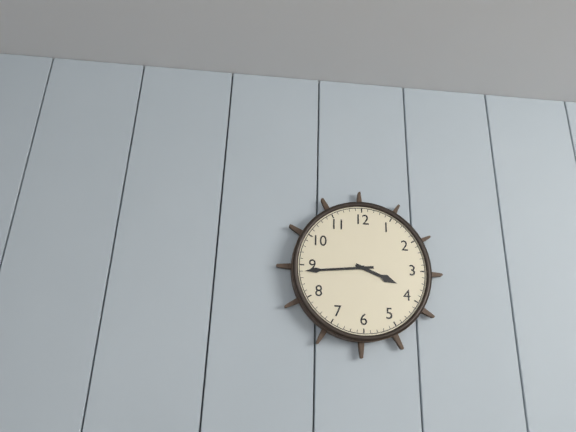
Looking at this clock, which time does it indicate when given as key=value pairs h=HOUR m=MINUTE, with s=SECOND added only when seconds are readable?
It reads h=3 m=44
